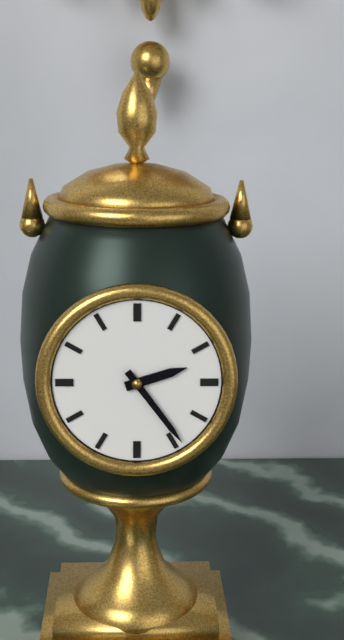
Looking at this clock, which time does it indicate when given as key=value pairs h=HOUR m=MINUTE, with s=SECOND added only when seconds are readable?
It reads h=2 m=24
